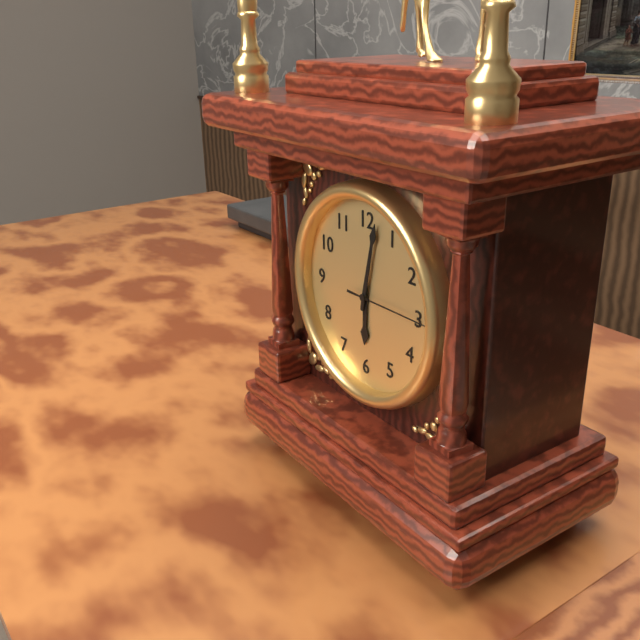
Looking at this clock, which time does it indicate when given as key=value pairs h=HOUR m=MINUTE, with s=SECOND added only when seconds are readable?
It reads h=6 m=2 s=15
